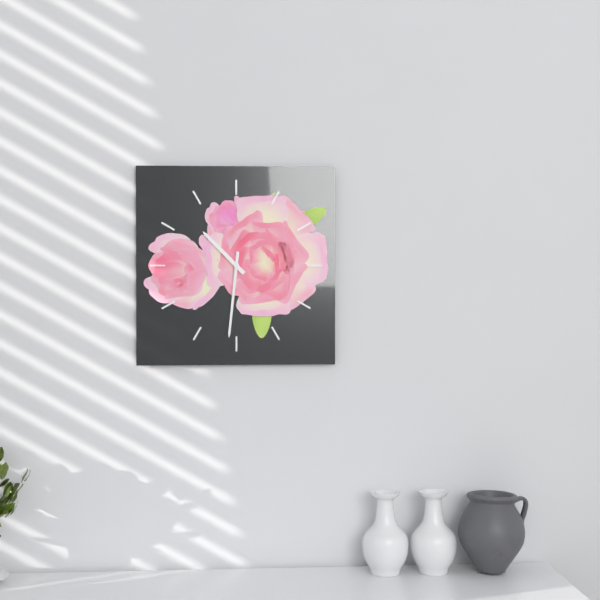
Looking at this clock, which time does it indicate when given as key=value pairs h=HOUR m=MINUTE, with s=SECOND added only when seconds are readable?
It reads h=10 m=31
